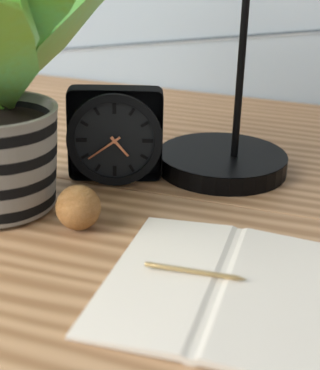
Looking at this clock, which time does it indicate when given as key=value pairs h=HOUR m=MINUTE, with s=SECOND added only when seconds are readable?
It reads h=4 m=39
